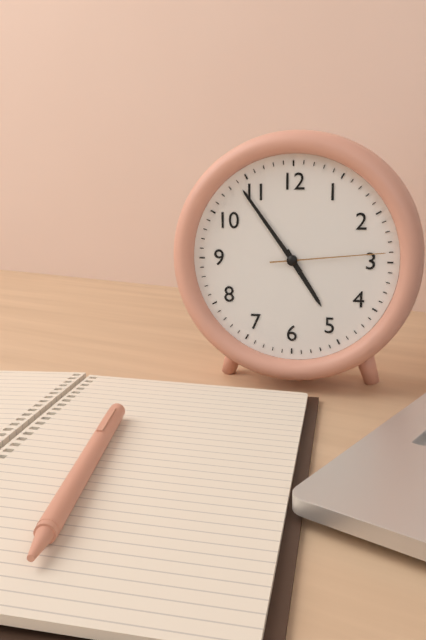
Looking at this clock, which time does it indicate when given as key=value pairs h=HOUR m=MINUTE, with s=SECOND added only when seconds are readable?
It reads h=4 m=54 s=14
